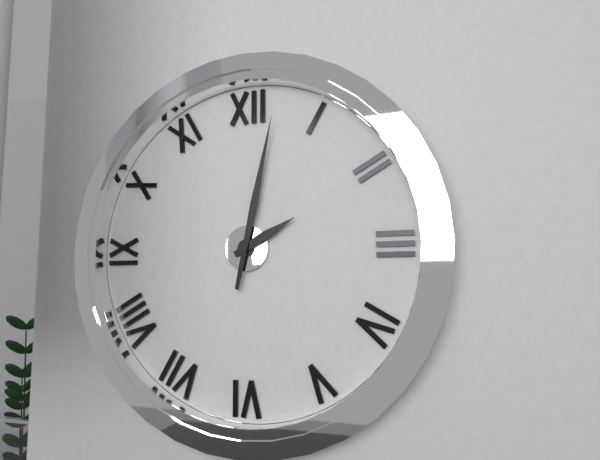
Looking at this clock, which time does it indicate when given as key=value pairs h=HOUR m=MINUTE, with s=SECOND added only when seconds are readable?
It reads h=2 m=2
